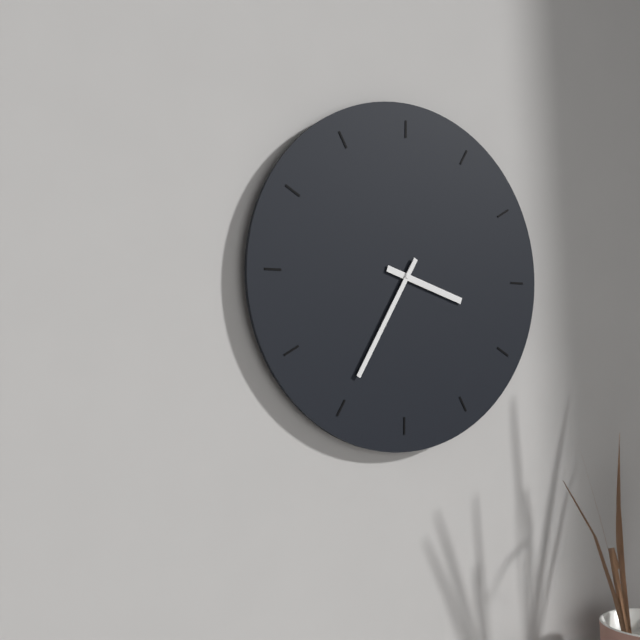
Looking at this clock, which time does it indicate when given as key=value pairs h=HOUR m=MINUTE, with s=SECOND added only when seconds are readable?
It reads h=3 m=35
